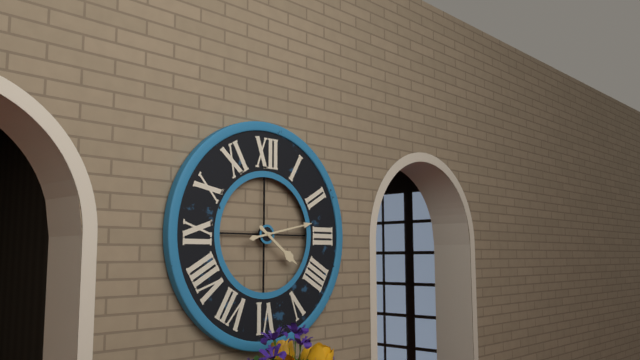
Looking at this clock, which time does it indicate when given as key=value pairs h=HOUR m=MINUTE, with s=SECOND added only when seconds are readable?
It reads h=4 m=13
